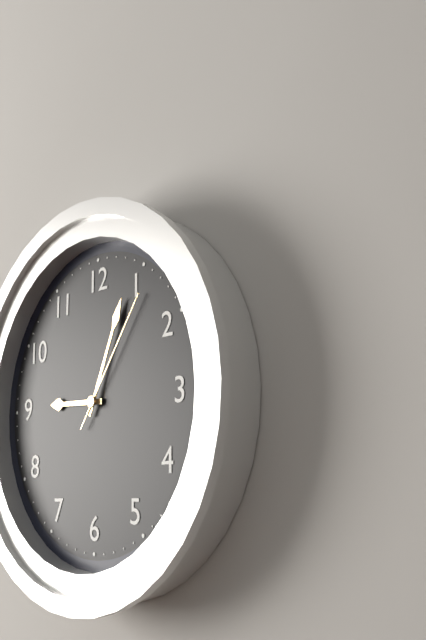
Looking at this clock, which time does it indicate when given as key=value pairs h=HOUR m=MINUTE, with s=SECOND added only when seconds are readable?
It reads h=9 m=4 s=6
